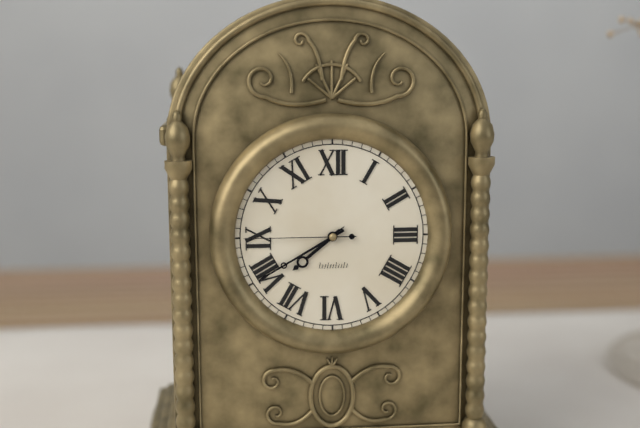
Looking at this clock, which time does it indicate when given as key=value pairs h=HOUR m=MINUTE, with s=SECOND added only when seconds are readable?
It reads h=7 m=40 s=45
